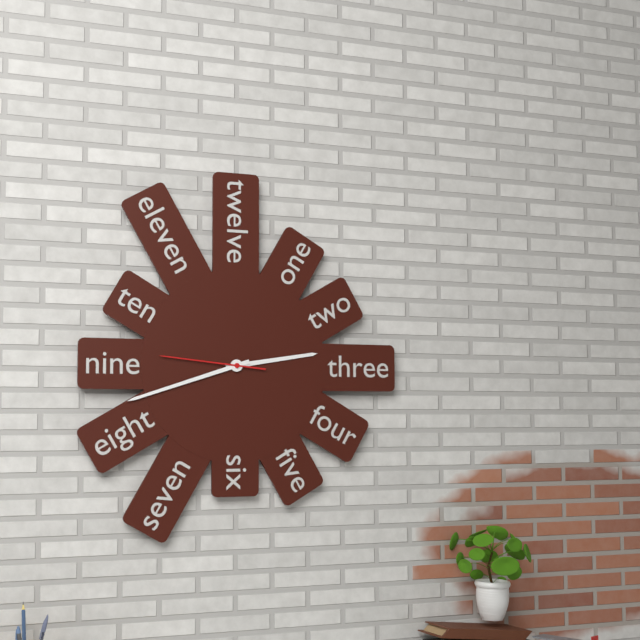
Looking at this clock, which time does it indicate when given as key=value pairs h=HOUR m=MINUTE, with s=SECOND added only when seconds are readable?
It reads h=2 m=42 s=46
